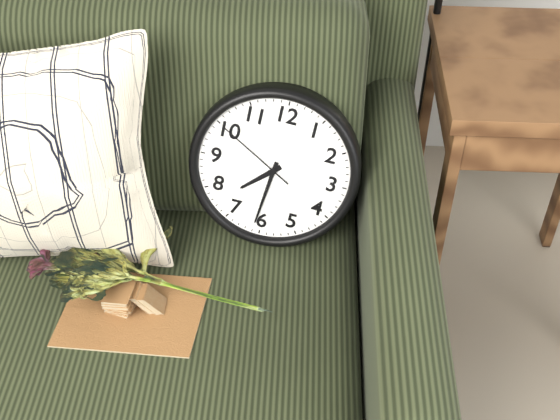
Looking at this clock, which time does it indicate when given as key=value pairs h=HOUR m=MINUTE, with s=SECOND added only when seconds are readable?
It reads h=7 m=31 s=50
